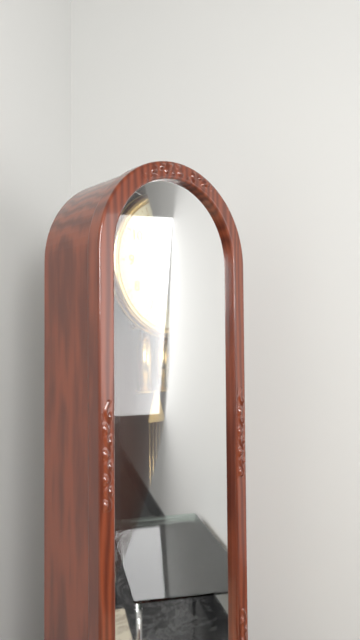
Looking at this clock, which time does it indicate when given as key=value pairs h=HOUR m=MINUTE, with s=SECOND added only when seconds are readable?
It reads h=11 m=7
